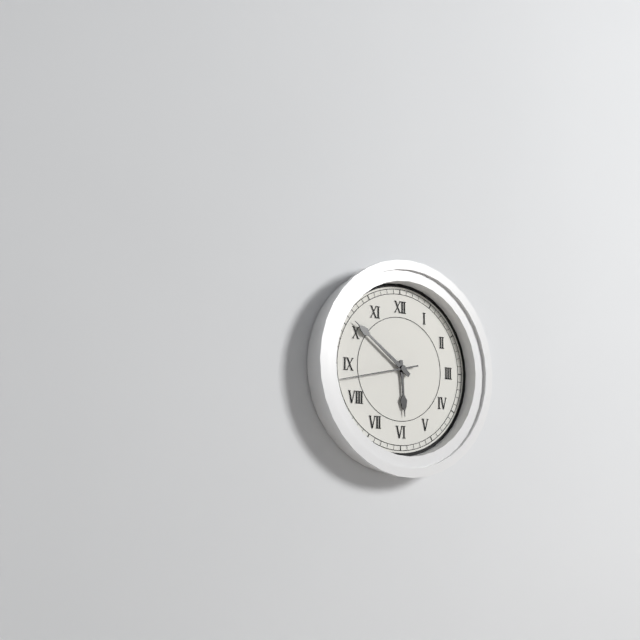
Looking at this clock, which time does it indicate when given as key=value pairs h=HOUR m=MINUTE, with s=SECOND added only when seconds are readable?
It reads h=5 m=51 s=43
